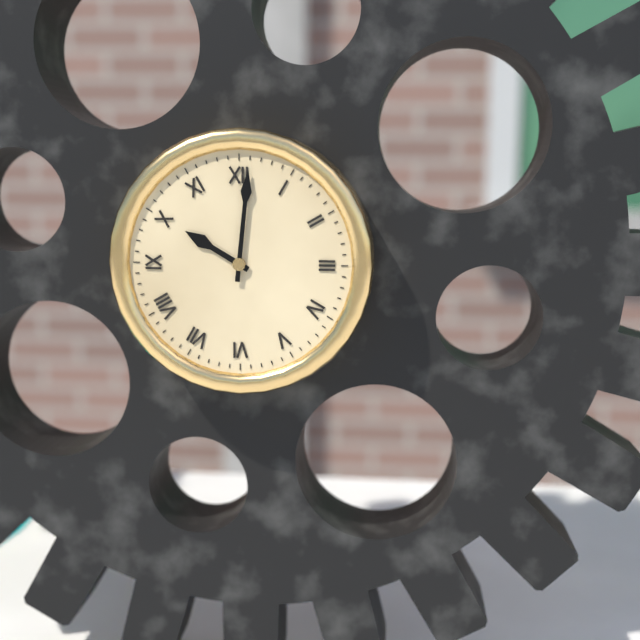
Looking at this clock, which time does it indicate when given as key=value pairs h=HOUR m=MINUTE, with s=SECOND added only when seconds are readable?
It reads h=10 m=1
